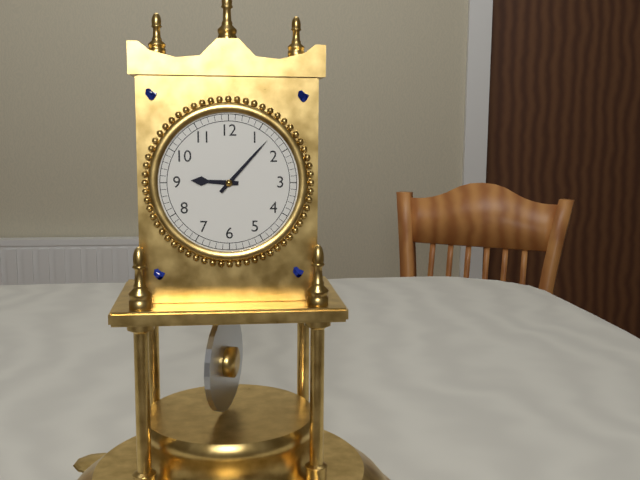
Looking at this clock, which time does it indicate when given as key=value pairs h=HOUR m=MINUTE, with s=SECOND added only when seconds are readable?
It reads h=9 m=7
